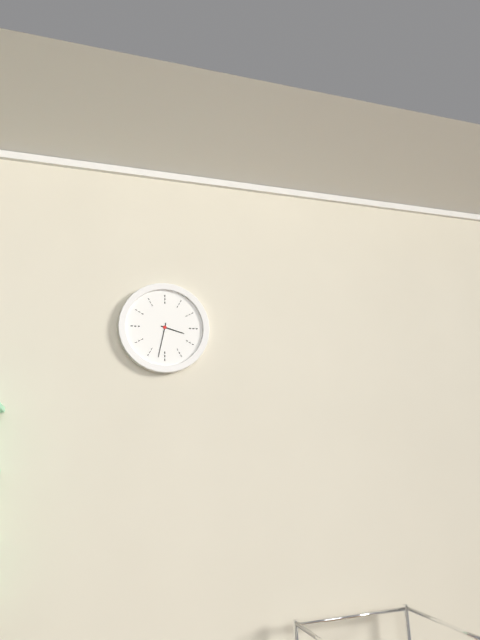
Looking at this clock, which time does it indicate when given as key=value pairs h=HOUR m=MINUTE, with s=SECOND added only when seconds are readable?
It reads h=3 m=32
